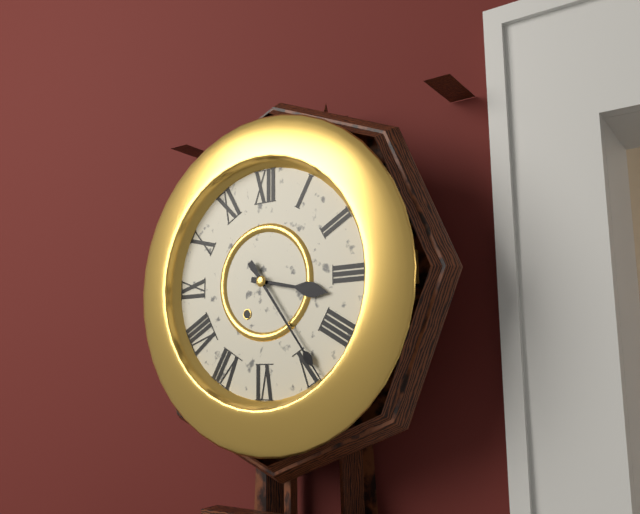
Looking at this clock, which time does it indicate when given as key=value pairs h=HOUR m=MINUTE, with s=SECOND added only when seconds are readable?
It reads h=3 m=24
